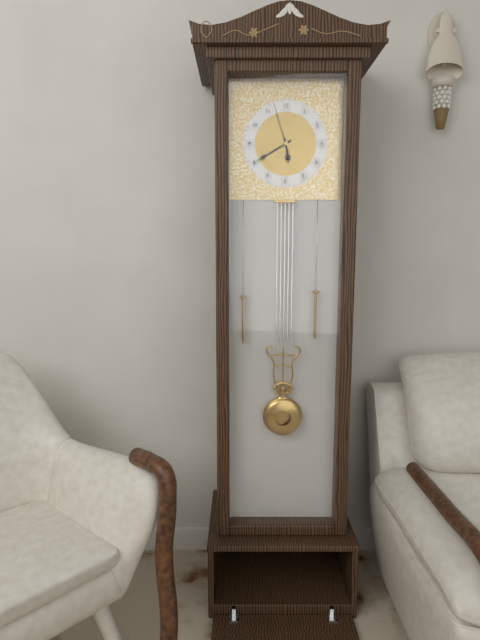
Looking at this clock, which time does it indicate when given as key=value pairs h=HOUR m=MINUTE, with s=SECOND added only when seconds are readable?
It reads h=5 m=40 s=57
